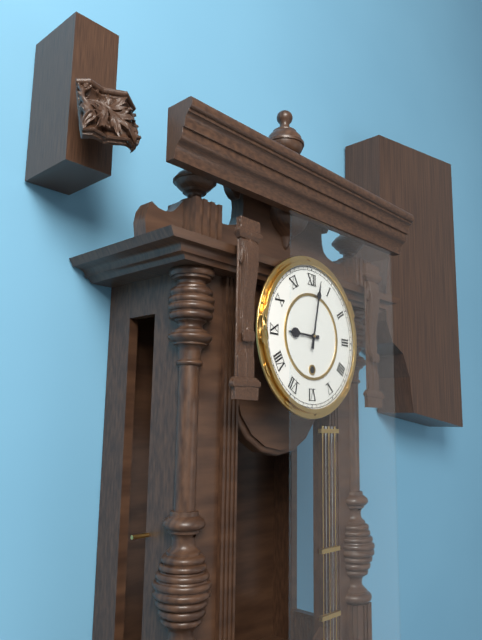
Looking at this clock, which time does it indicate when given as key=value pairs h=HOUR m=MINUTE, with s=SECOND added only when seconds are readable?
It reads h=9 m=2
